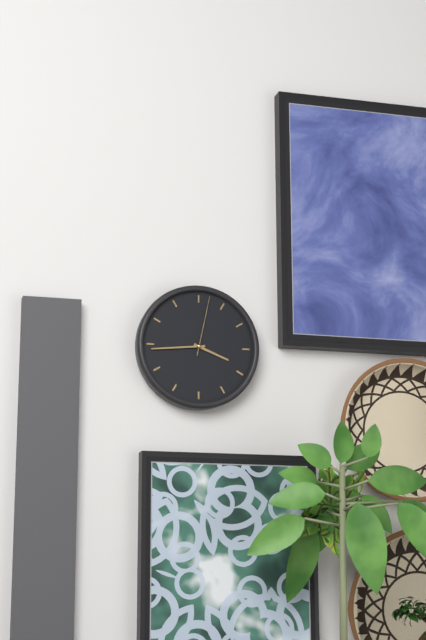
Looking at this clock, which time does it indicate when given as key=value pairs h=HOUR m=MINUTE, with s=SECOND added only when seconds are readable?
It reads h=3 m=44 s=2
